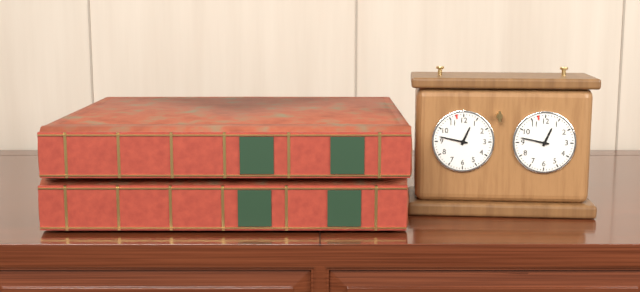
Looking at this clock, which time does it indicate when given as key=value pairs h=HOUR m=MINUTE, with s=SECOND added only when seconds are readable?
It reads h=12 m=47
